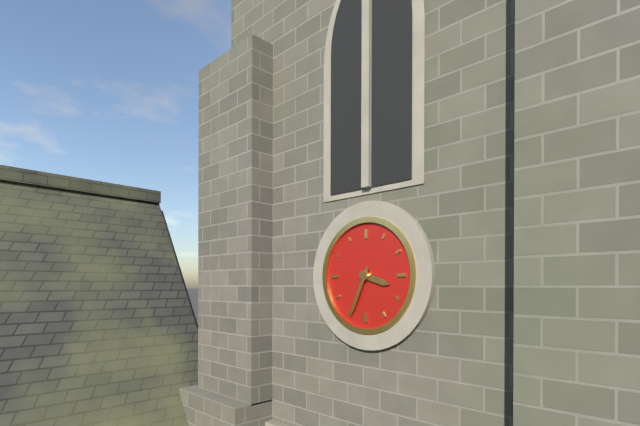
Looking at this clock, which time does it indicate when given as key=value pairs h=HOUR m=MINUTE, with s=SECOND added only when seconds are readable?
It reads h=3 m=34
